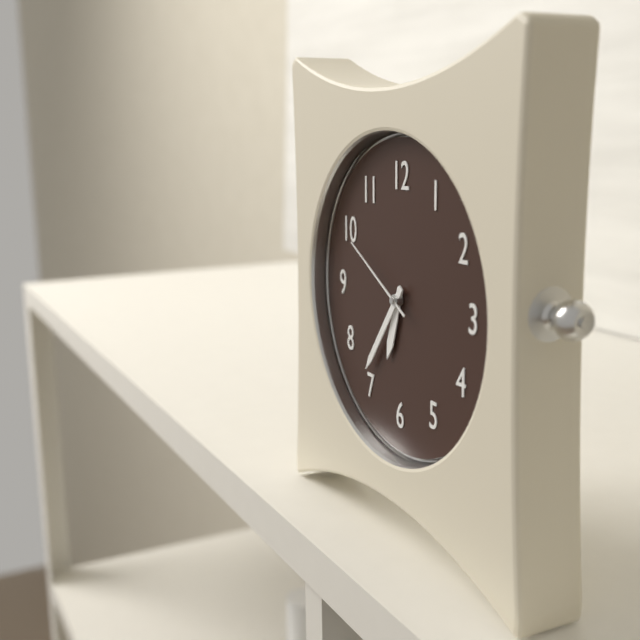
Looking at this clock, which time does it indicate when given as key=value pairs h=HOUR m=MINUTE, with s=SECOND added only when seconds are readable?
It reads h=6 m=36 s=50
